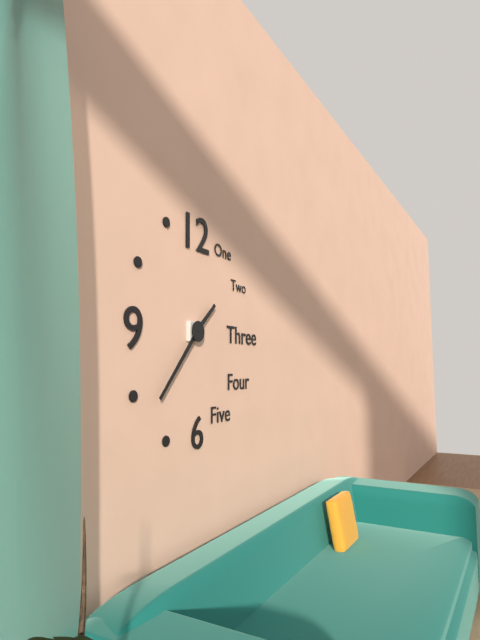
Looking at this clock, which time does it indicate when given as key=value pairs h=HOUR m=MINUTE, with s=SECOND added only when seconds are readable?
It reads h=1 m=37
